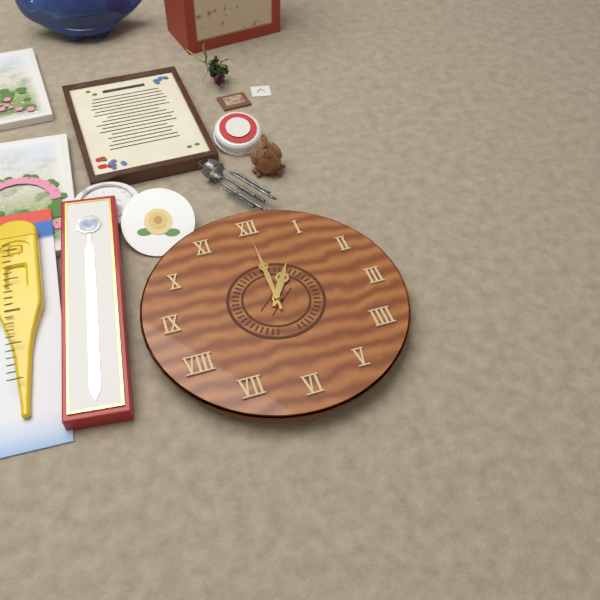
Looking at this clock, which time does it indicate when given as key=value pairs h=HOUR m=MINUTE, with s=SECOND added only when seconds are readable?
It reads h=1 m=0
